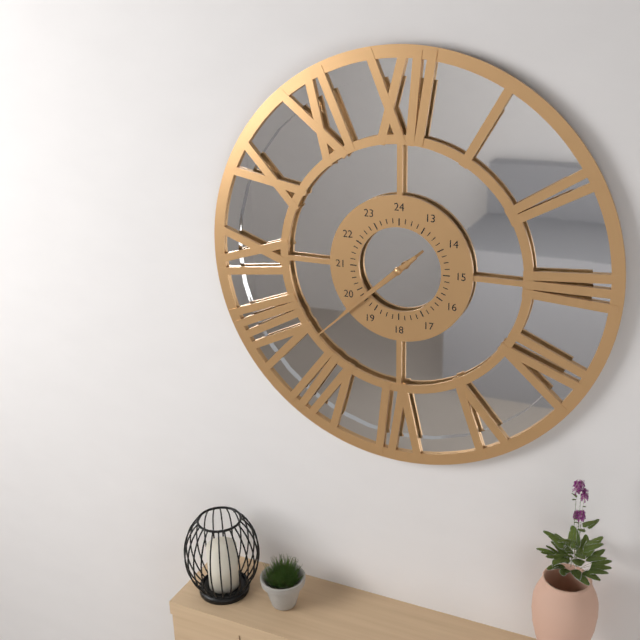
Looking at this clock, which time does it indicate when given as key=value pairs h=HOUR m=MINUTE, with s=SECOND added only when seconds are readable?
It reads h=7 m=38
